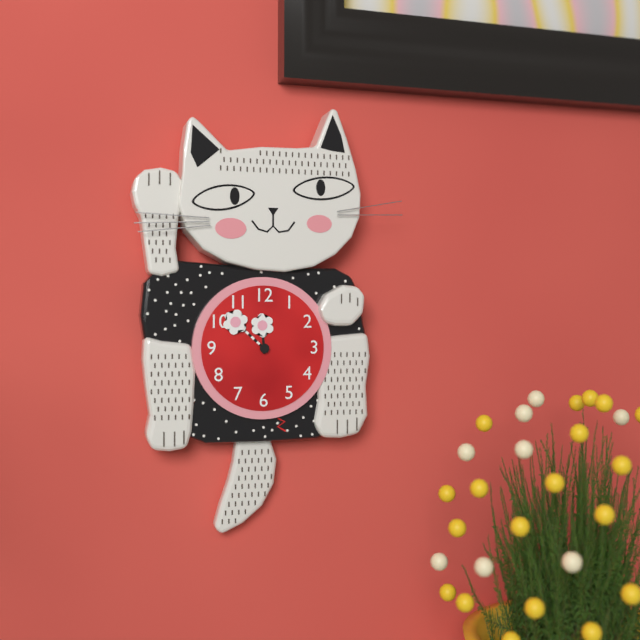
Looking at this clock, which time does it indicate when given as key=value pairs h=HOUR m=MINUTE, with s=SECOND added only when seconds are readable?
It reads h=11 m=52
